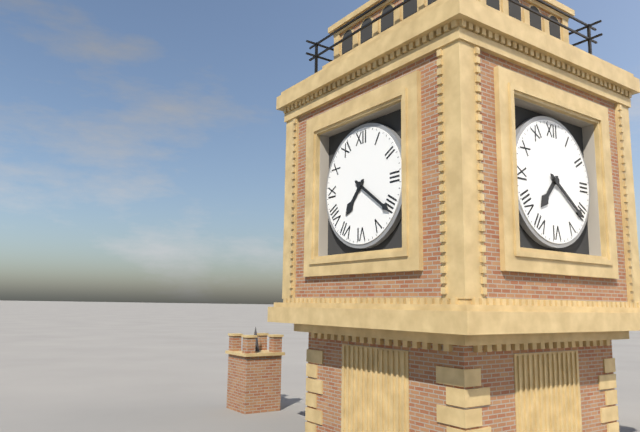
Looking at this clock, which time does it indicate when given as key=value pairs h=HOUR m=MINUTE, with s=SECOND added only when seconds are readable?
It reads h=7 m=21
